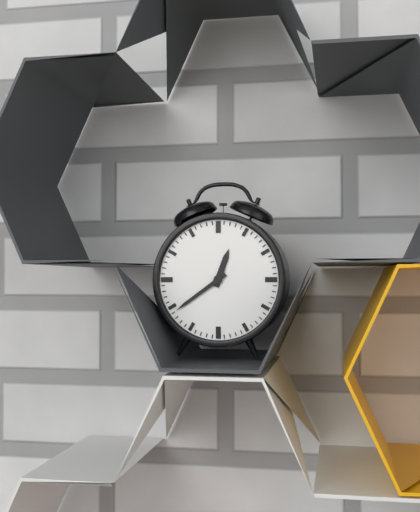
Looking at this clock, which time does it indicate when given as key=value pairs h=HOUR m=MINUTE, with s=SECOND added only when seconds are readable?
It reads h=12 m=39
